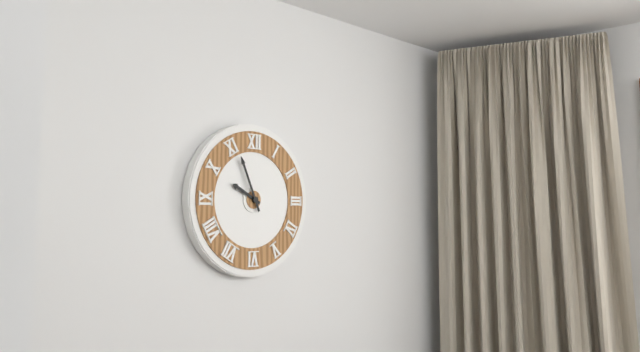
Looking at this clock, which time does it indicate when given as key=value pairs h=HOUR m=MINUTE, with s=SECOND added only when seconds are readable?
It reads h=9 m=56
